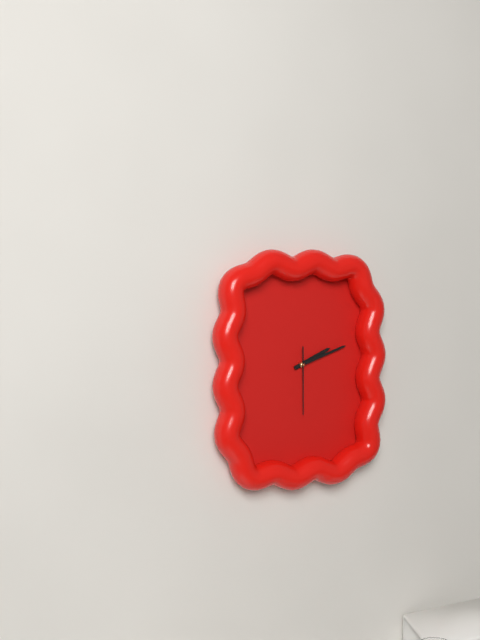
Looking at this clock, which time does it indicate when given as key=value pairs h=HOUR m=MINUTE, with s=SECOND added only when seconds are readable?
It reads h=2 m=12 s=30
